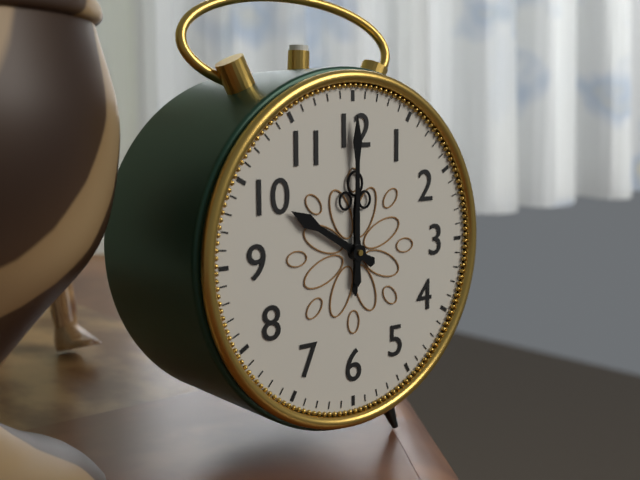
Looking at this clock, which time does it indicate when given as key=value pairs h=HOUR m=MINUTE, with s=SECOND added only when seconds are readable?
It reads h=10 m=0
